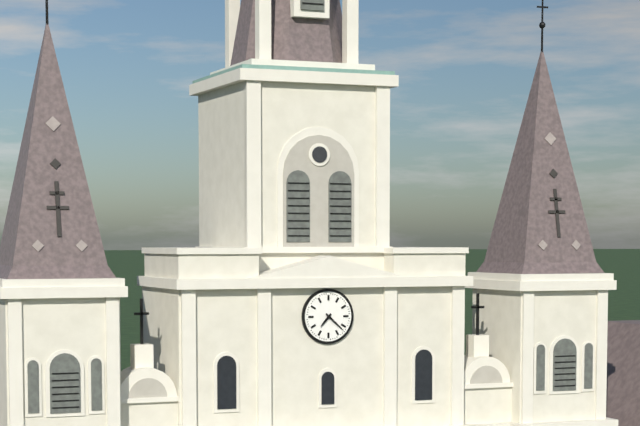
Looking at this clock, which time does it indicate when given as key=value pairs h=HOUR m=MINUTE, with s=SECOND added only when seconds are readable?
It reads h=7 m=22
